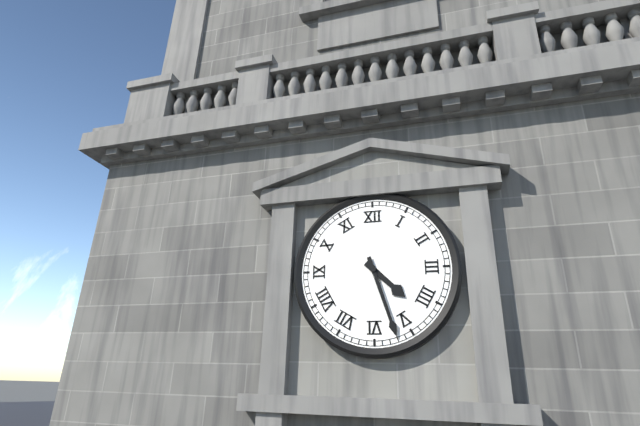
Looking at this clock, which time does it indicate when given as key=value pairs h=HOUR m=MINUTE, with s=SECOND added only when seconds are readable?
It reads h=4 m=27
